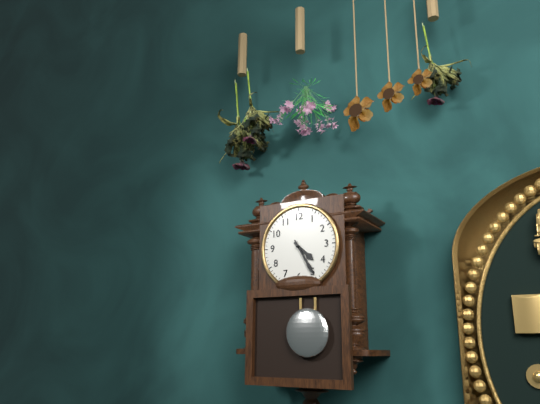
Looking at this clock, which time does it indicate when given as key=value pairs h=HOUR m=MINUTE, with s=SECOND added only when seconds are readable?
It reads h=4 m=25
